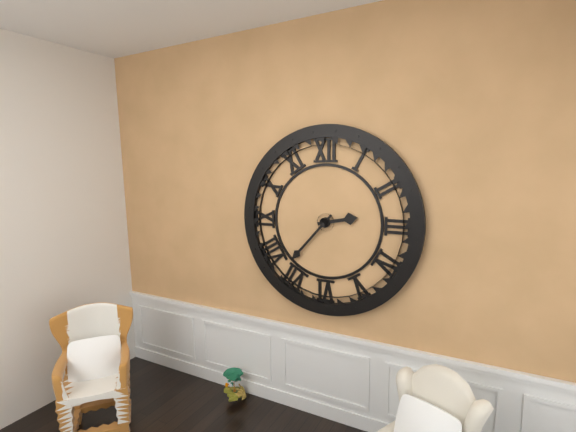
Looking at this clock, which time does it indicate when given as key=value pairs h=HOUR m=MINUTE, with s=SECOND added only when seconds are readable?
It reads h=2 m=37
